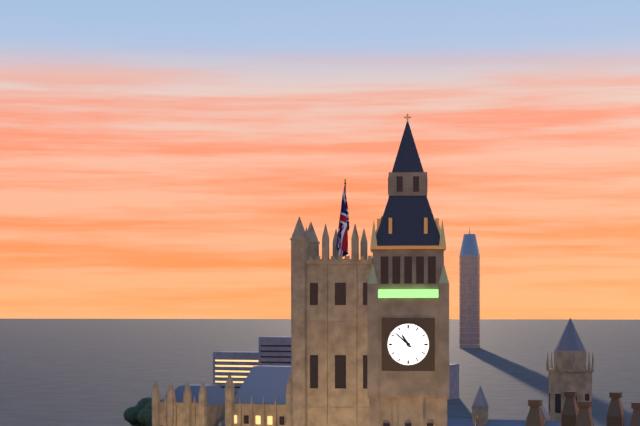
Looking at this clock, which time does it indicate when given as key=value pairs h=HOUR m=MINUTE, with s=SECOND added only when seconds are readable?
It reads h=10 m=52
